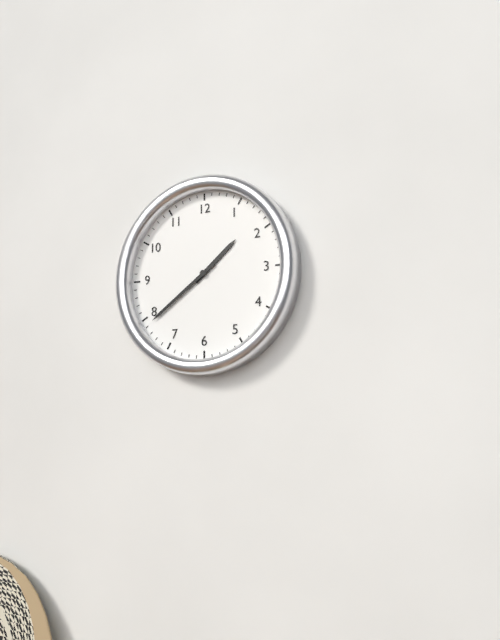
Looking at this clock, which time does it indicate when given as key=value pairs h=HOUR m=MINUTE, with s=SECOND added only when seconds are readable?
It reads h=1 m=39
